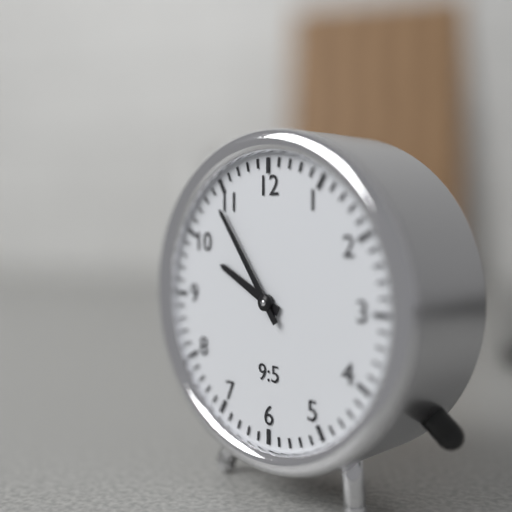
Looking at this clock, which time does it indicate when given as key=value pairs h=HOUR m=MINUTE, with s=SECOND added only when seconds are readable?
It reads h=9 m=54
